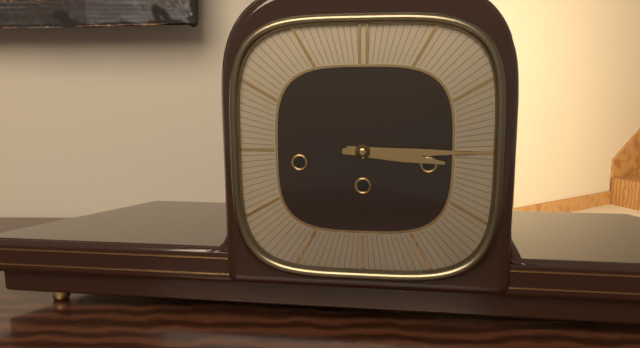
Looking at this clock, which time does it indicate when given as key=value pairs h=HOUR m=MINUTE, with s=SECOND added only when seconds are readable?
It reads h=3 m=15
